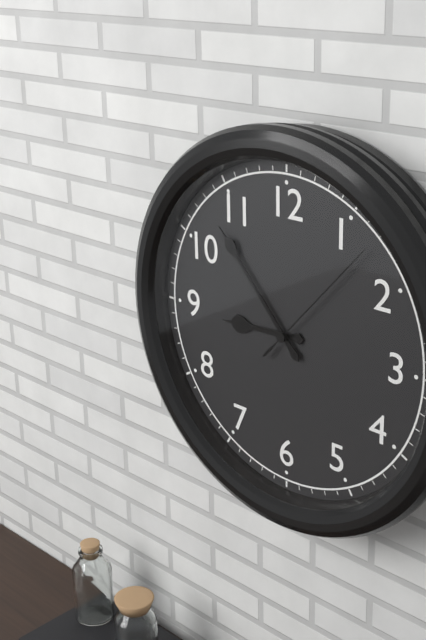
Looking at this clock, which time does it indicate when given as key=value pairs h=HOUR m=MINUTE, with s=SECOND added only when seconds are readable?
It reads h=8 m=53 s=7
